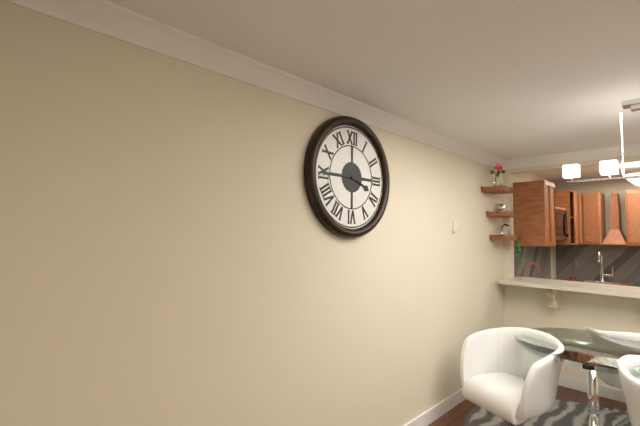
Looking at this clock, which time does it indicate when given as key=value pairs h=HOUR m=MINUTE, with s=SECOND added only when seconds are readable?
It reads h=3 m=45
